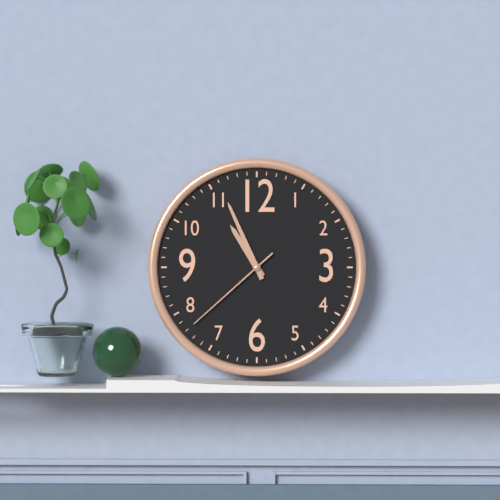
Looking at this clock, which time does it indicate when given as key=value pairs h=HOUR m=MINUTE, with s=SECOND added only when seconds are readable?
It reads h=10 m=56 s=38
